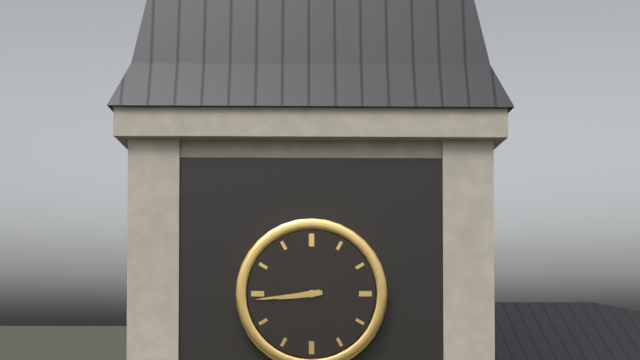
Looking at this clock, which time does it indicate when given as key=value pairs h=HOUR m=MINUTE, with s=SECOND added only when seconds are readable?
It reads h=8 m=44
